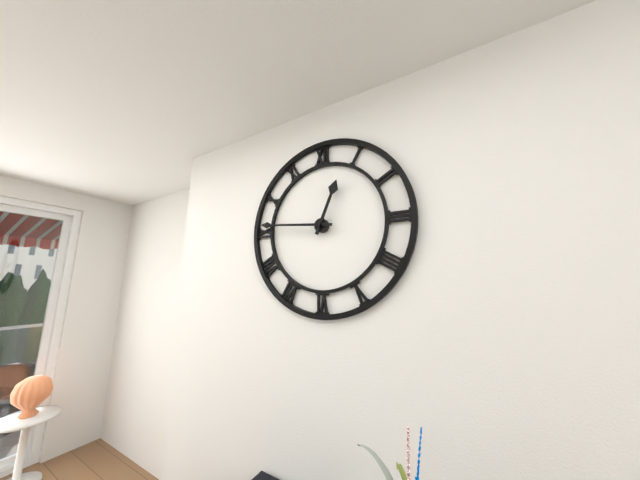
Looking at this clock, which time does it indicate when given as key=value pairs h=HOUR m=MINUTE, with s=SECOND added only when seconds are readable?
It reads h=12 m=46
